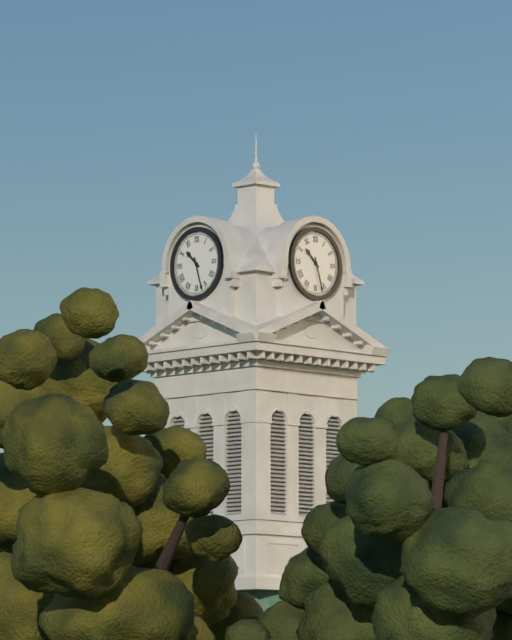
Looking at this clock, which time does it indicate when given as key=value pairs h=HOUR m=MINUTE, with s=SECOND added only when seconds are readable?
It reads h=10 m=27
